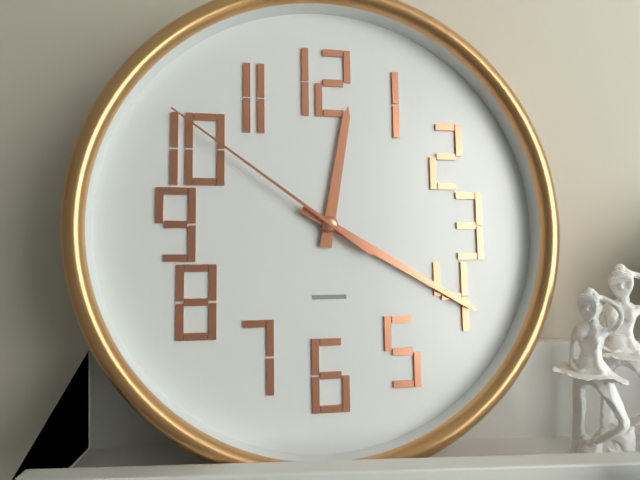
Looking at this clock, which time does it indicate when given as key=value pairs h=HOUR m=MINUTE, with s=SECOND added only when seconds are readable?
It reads h=12 m=20 s=51
